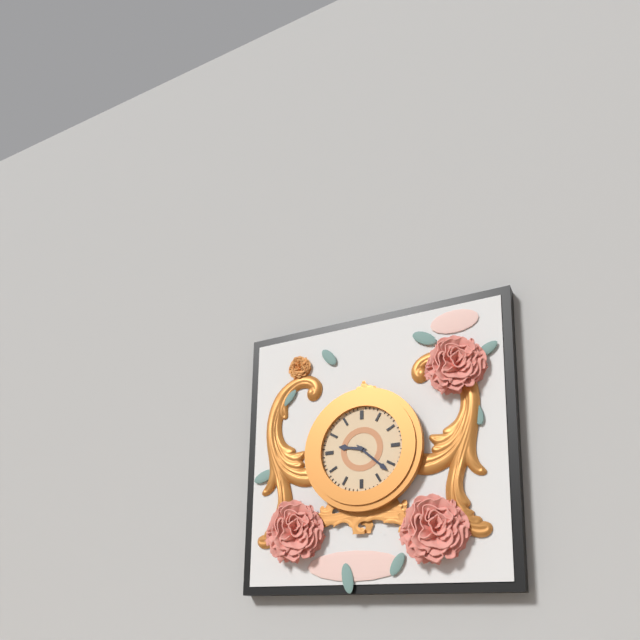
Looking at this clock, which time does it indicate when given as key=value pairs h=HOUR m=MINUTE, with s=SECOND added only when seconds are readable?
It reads h=9 m=22
